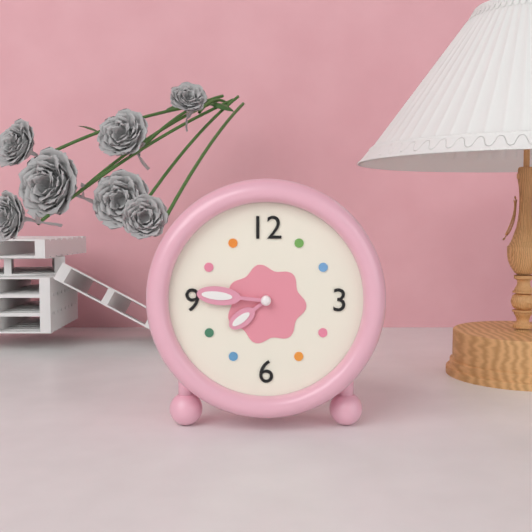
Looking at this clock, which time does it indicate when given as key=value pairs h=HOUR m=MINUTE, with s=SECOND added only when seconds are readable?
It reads h=7 m=46
